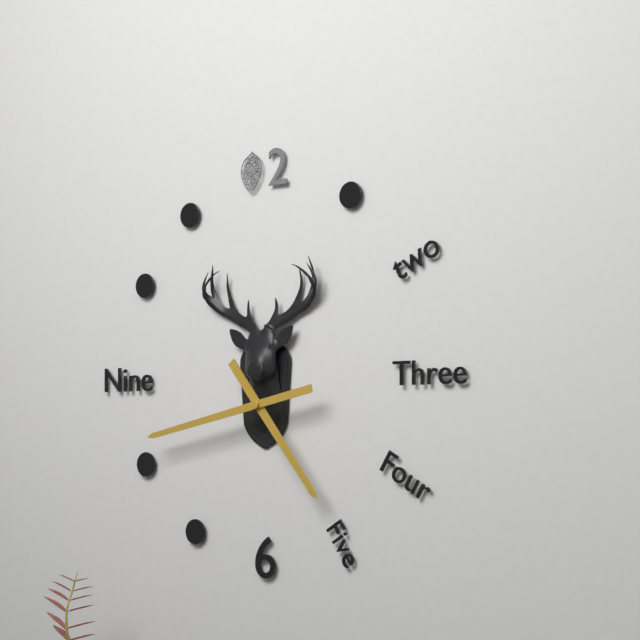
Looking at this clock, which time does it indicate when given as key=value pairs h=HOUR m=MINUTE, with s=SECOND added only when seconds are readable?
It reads h=4 m=43
